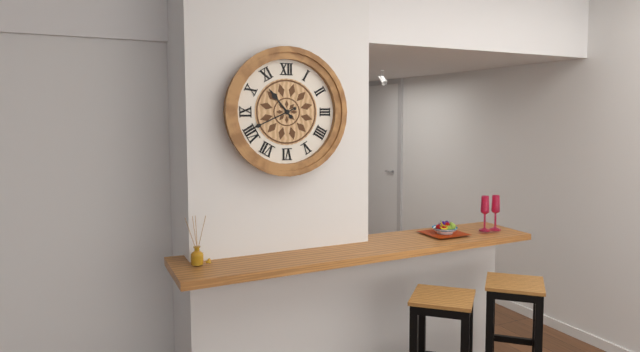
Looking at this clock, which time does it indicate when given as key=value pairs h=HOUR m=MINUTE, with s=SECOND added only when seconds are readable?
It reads h=10 m=41
